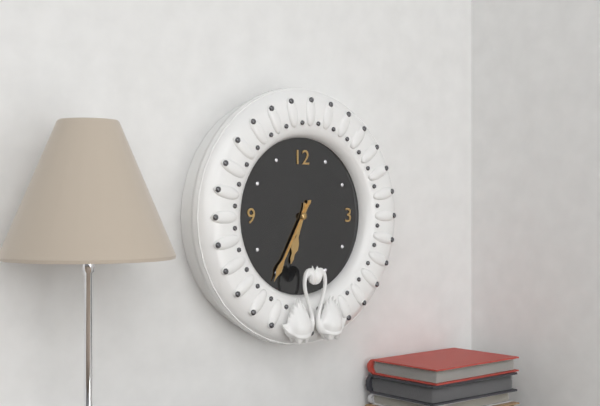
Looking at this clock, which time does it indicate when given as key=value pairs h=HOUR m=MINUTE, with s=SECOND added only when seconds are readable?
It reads h=6 m=35 s=35
